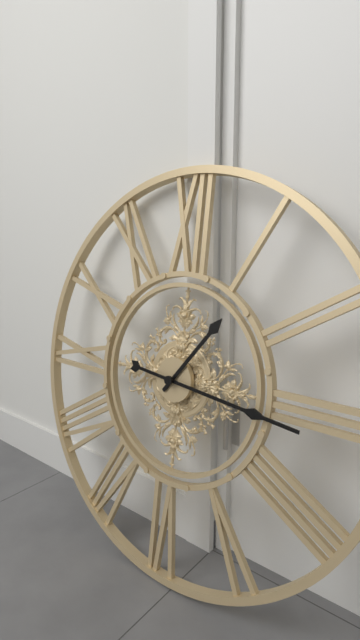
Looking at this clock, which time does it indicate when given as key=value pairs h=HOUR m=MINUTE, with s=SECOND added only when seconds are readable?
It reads h=1 m=16
